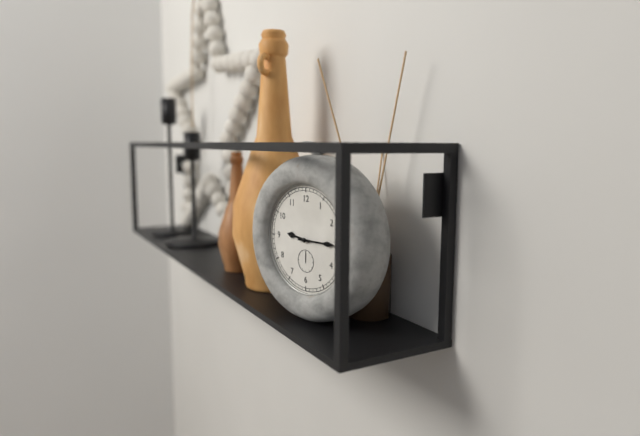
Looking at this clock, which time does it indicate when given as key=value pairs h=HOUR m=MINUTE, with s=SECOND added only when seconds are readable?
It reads h=9 m=15
